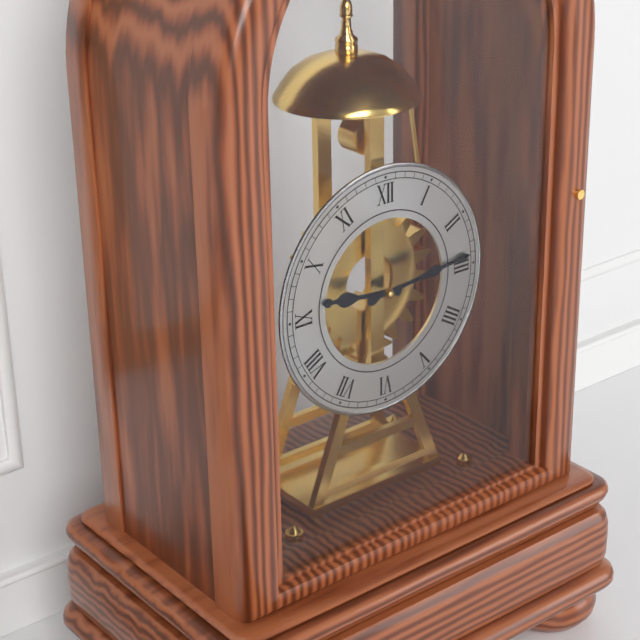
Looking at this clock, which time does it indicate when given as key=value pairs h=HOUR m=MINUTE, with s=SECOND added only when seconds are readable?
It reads h=9 m=14
